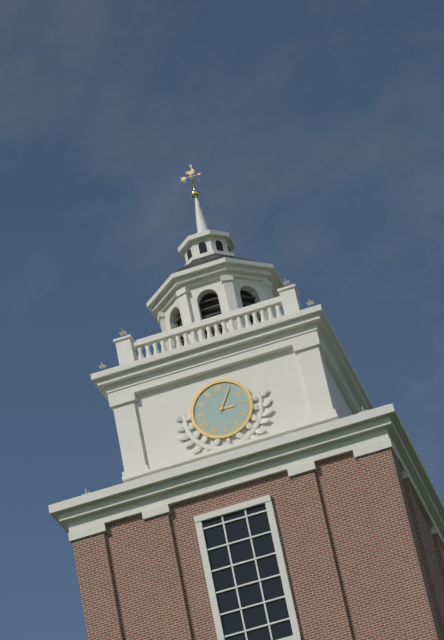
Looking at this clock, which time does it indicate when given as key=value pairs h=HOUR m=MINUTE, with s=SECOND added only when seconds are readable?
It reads h=3 m=5
